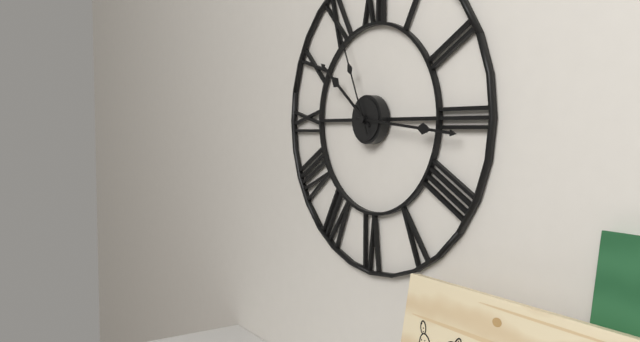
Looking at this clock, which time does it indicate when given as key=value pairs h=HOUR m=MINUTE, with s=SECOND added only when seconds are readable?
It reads h=10 m=16 s=56
